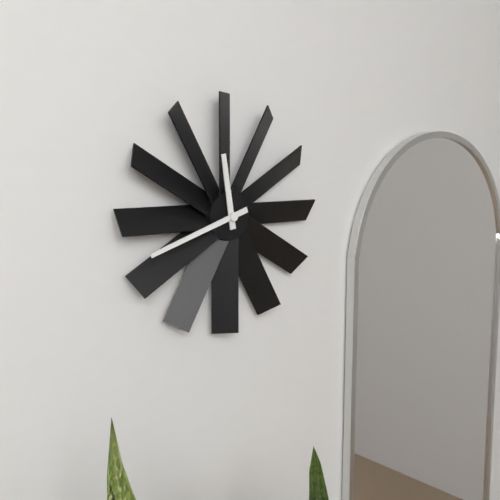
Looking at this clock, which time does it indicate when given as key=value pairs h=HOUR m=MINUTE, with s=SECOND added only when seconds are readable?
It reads h=11 m=42
